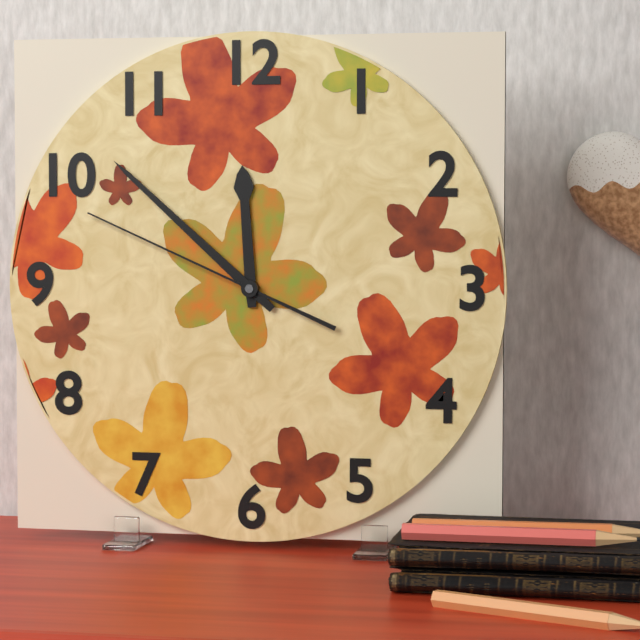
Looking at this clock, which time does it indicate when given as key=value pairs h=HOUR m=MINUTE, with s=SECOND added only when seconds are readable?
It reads h=11 m=52 s=49
